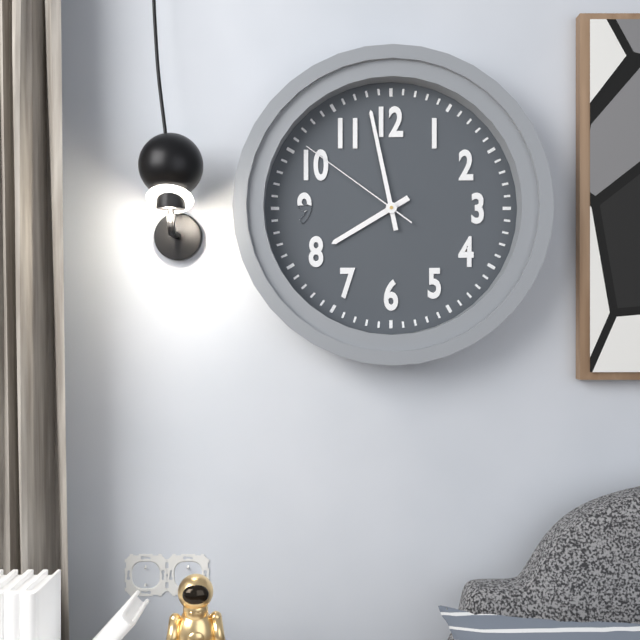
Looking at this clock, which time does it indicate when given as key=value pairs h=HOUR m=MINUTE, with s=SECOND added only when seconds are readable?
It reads h=7 m=58 s=51
